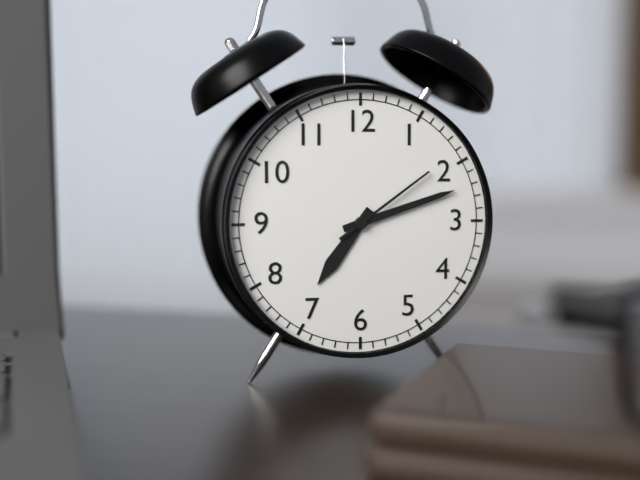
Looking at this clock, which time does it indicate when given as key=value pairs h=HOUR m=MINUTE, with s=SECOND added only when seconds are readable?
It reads h=7 m=12 s=9
